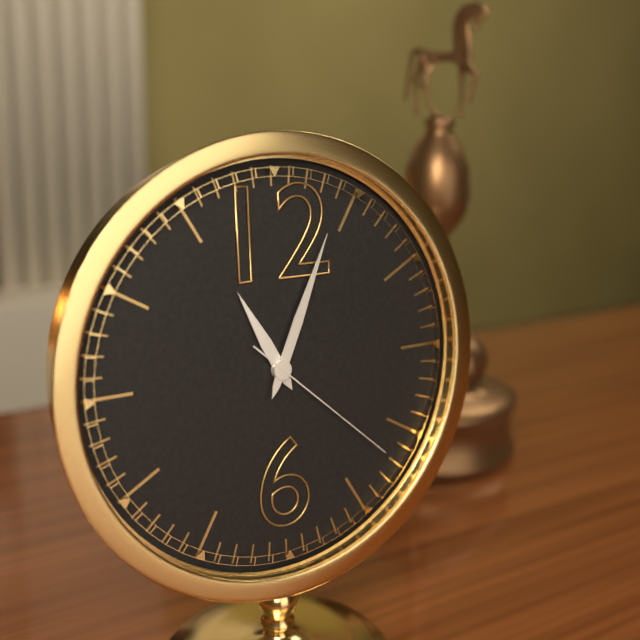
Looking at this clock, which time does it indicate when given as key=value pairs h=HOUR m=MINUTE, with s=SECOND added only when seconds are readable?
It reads h=11 m=4 s=22
